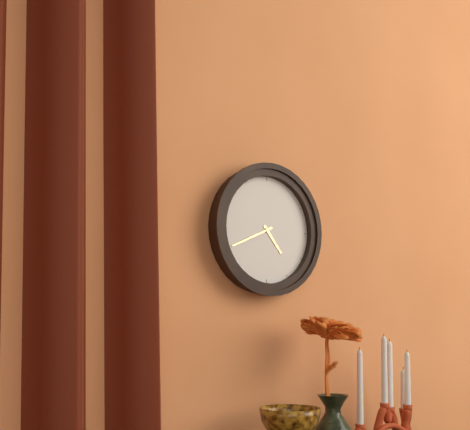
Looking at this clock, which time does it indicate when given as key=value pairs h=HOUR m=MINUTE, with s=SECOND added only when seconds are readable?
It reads h=4 m=41
